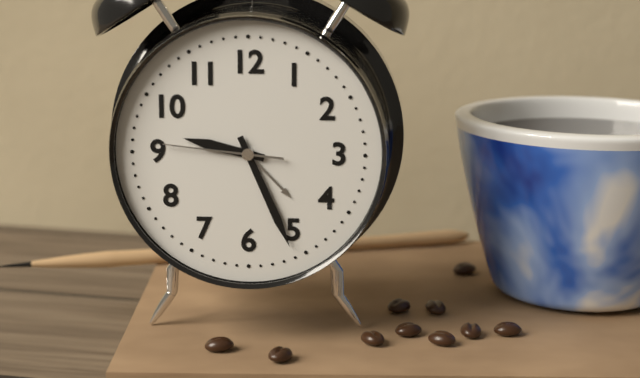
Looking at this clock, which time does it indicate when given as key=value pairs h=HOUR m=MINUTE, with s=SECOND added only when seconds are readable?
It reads h=9 m=26 s=46
